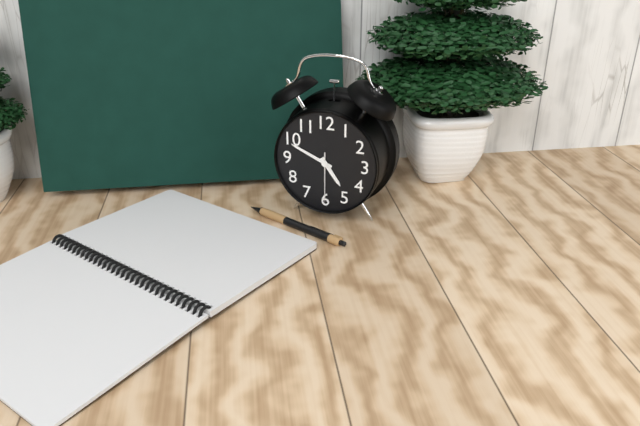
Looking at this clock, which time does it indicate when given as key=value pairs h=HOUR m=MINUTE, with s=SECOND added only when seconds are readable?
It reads h=4 m=49
